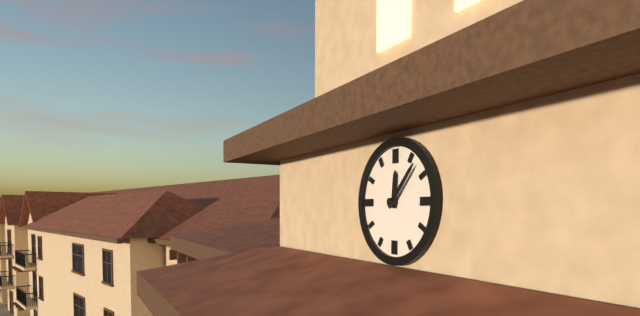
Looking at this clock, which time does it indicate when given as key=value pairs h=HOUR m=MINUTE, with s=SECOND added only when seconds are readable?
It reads h=12 m=7
